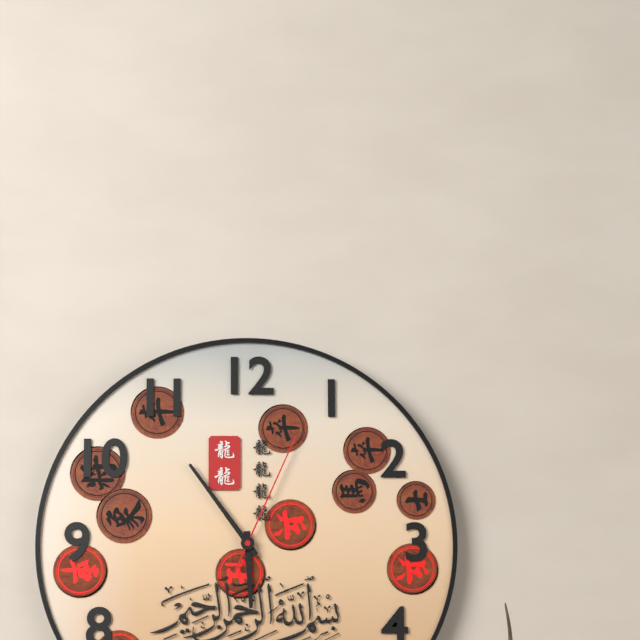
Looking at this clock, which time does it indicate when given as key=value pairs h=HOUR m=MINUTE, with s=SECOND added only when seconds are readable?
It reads h=5 m=54 s=4
